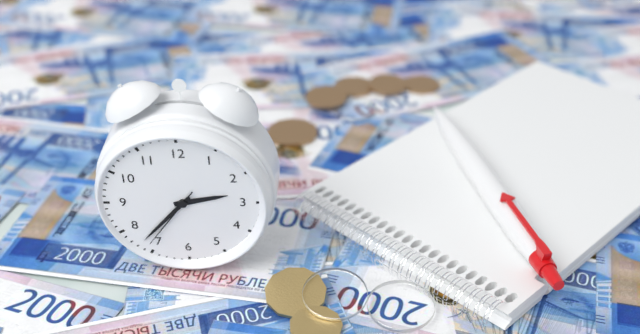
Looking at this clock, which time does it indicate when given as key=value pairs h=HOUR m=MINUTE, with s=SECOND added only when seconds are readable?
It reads h=2 m=37 s=36
